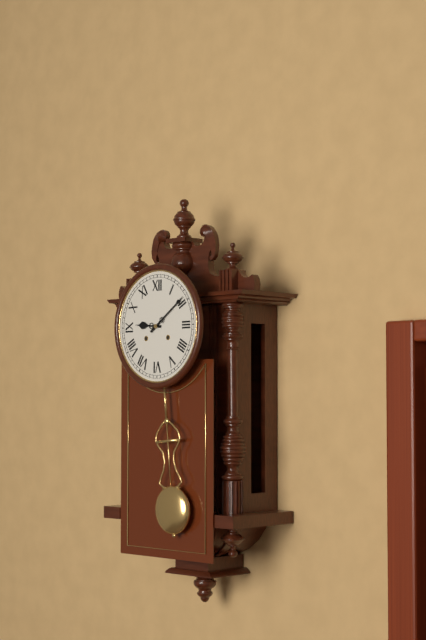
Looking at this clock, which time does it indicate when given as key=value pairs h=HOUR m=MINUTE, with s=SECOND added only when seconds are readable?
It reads h=9 m=9
